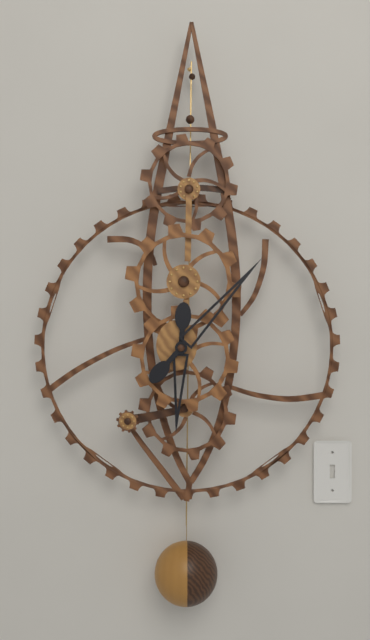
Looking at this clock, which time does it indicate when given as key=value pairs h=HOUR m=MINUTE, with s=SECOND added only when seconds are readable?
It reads h=6 m=7
